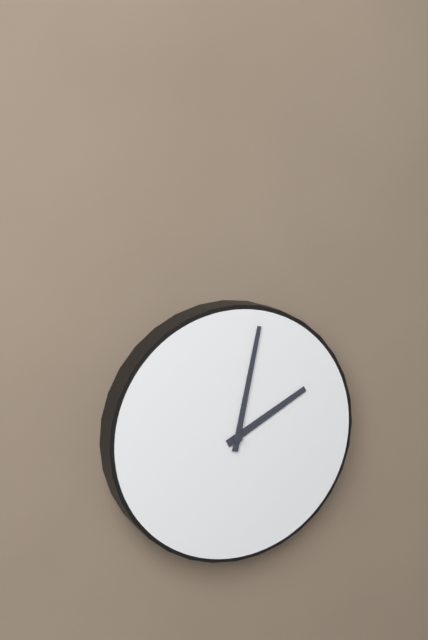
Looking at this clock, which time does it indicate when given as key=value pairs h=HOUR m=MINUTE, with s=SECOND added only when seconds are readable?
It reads h=2 m=2
